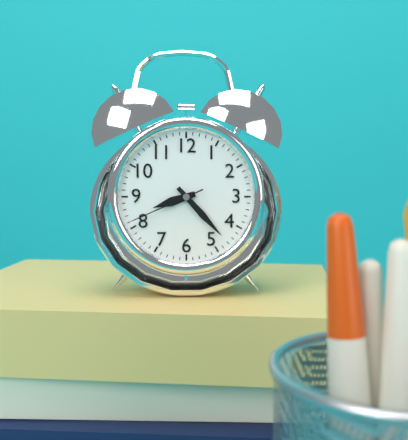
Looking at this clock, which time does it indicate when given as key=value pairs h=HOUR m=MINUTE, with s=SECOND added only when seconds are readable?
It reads h=8 m=23 s=41
